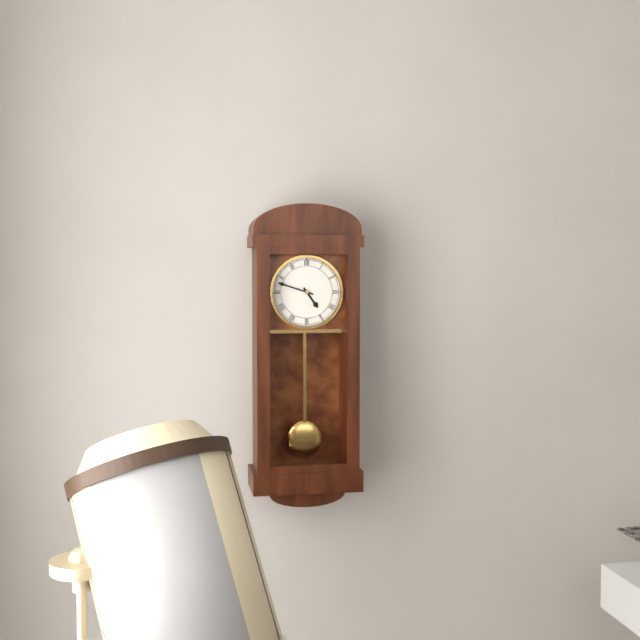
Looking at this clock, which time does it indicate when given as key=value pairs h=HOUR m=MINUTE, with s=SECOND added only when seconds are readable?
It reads h=4 m=48
